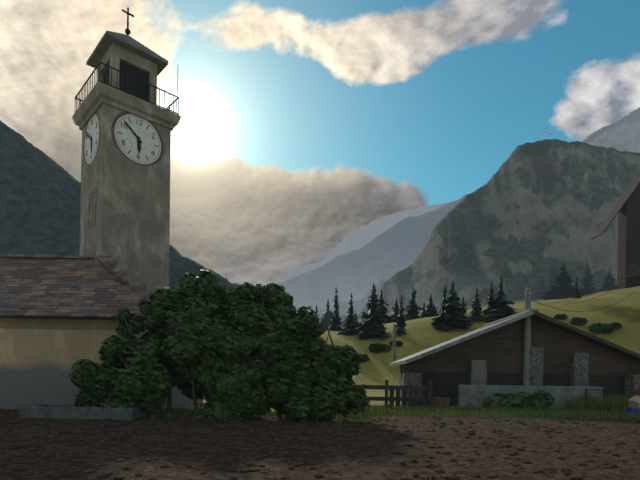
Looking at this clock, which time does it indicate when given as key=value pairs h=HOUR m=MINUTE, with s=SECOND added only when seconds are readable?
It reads h=5 m=52
